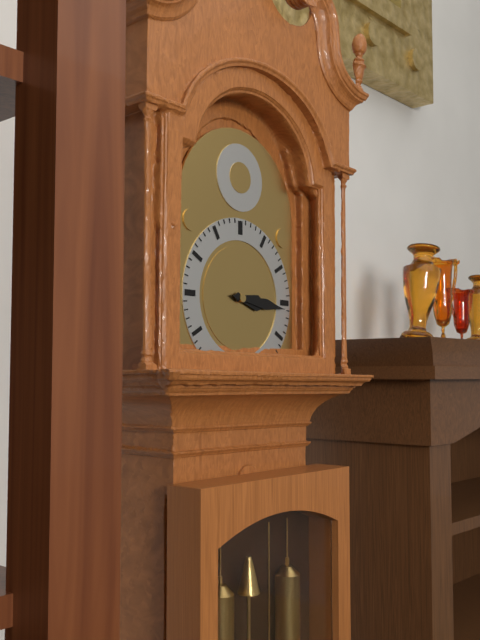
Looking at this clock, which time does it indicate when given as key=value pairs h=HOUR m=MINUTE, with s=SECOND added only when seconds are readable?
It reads h=3 m=16
